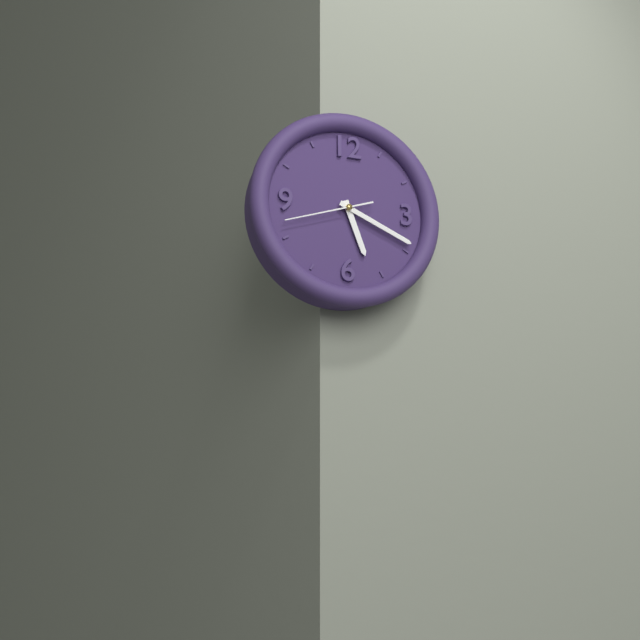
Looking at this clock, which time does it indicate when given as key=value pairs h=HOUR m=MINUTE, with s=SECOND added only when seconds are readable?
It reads h=5 m=19 s=42
